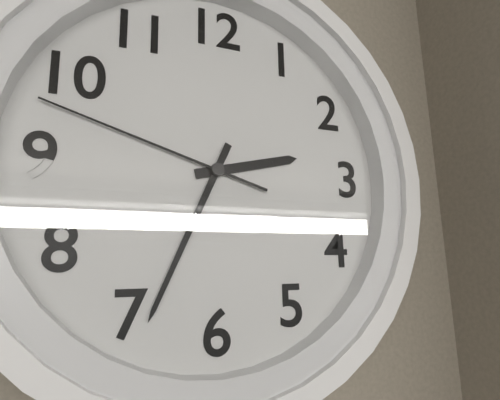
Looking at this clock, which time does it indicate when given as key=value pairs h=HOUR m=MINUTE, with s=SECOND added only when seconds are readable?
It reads h=2 m=34 s=48
